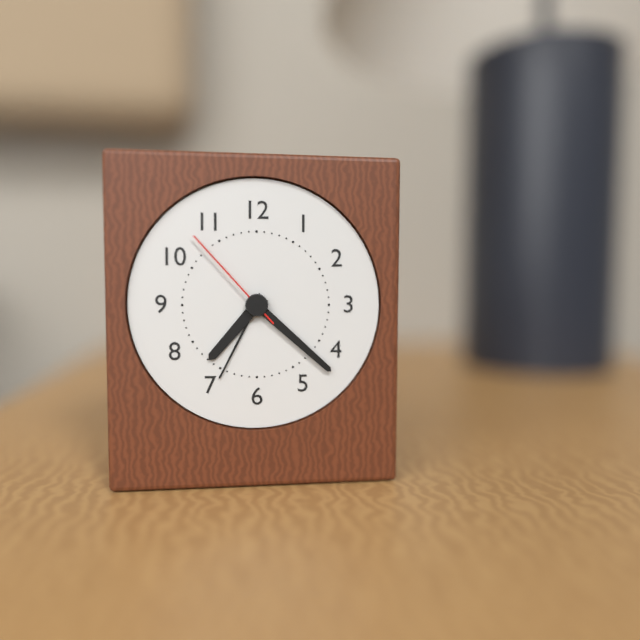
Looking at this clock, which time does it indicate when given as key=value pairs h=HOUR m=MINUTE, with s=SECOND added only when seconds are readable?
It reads h=7 m=22 s=53
